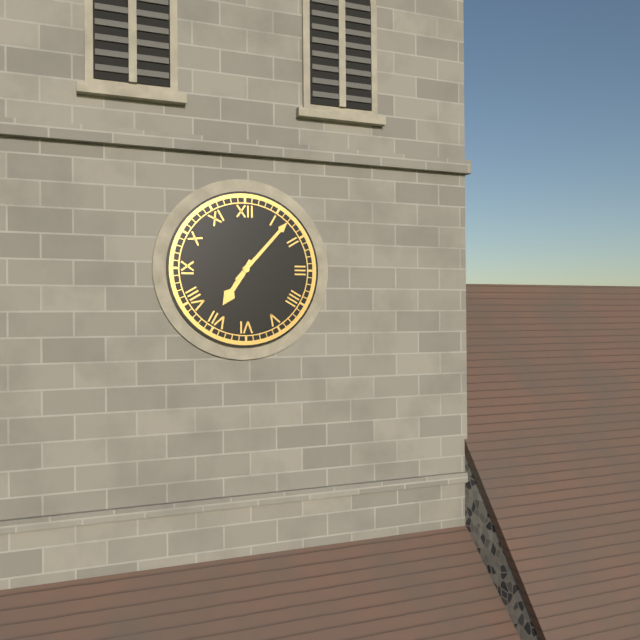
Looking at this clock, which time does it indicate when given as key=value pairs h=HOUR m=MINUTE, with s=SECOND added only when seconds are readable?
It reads h=7 m=7
